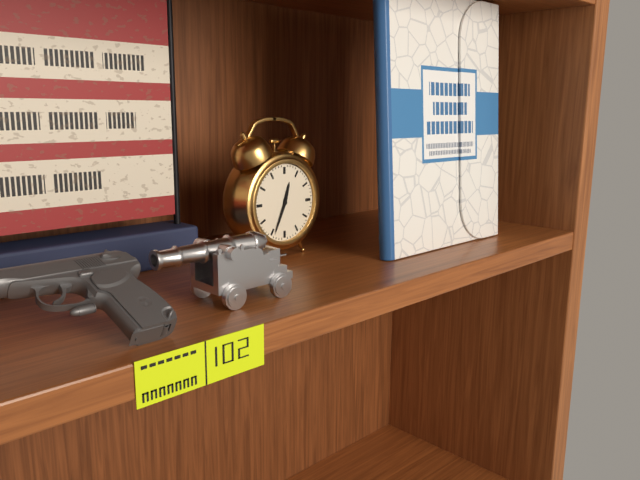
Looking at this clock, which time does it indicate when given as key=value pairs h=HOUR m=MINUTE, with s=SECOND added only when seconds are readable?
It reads h=12 m=34
